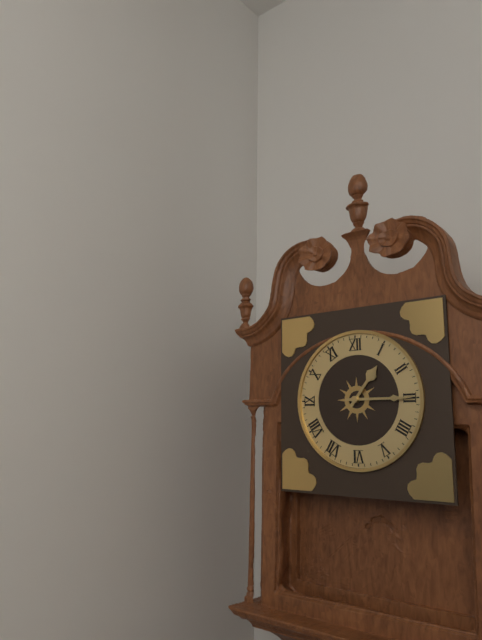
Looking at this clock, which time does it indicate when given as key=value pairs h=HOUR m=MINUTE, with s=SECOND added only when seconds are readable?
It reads h=1 m=15
